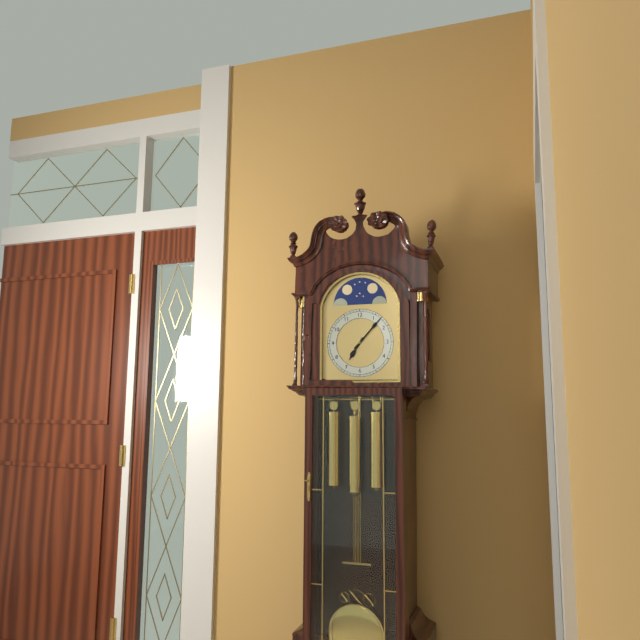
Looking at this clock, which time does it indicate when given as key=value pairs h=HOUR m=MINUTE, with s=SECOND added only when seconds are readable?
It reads h=7 m=7
